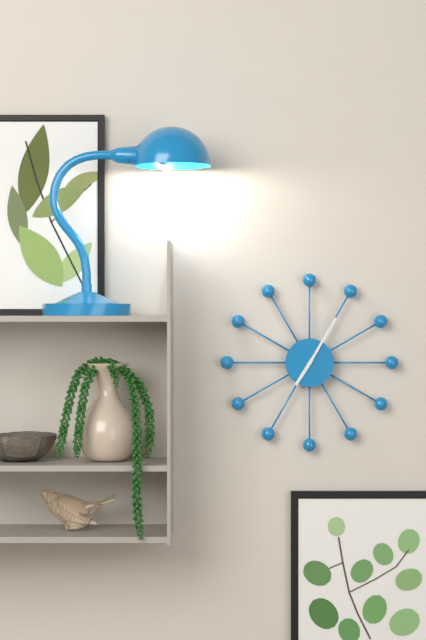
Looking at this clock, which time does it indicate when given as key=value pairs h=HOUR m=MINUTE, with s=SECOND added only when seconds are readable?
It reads h=7 m=5
